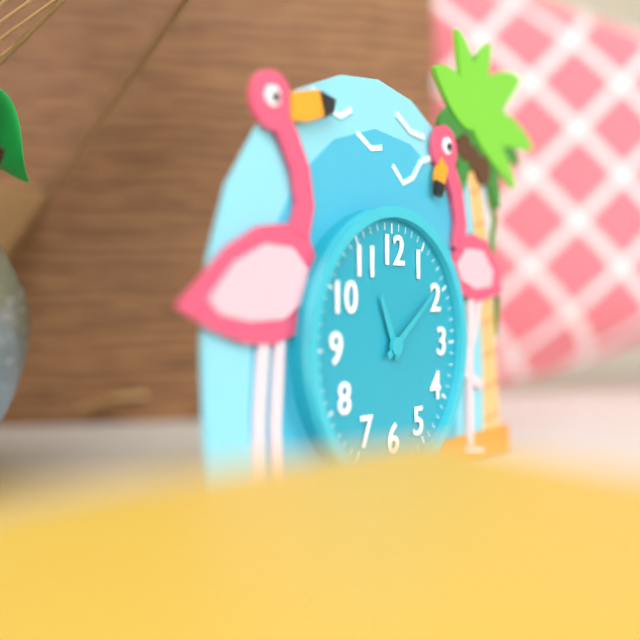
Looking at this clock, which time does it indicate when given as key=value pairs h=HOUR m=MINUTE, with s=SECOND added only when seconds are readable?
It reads h=11 m=9
